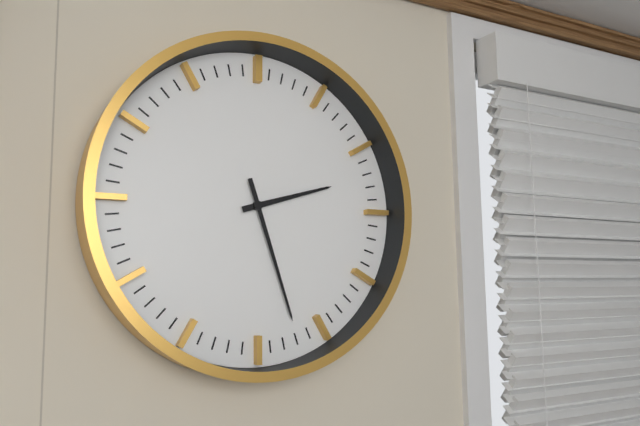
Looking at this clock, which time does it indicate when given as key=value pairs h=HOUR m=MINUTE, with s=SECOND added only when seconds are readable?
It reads h=2 m=27
